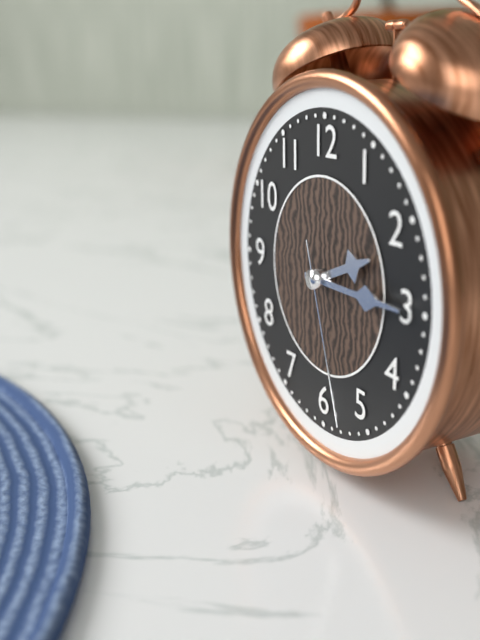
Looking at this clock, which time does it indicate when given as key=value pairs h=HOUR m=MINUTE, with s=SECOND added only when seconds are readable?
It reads h=2 m=15 s=27
